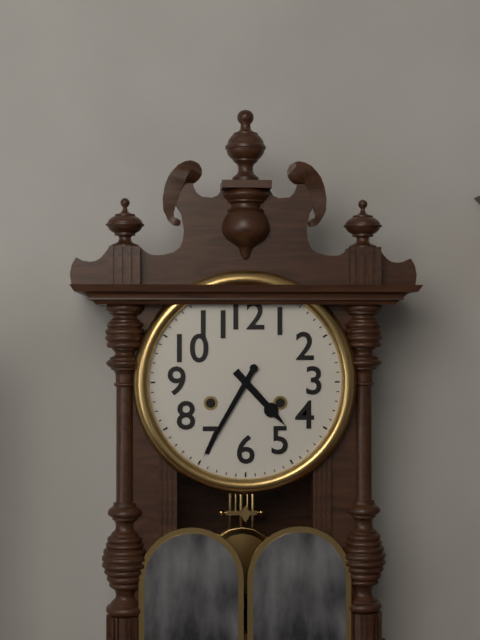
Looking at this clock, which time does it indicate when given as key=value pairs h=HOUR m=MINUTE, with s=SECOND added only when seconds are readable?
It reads h=4 m=35
